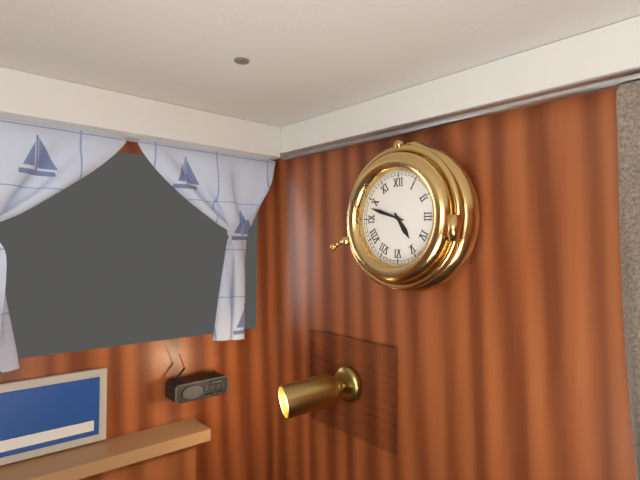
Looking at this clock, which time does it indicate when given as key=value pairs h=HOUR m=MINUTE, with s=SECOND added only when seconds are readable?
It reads h=4 m=48
